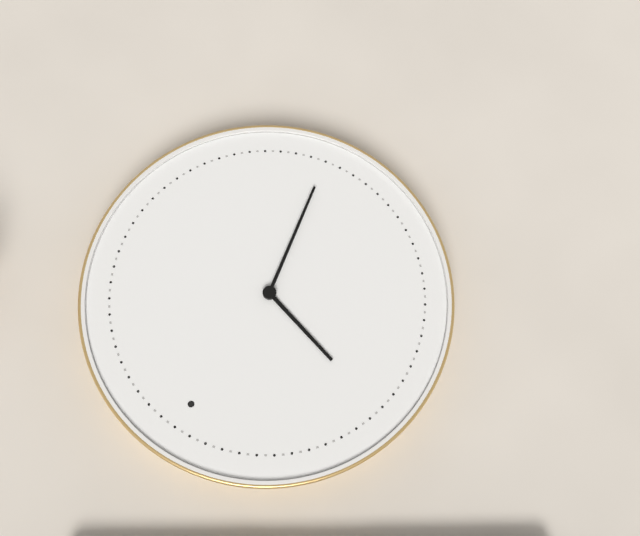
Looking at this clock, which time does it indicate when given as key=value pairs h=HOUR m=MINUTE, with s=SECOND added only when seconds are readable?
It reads h=9 m=28
